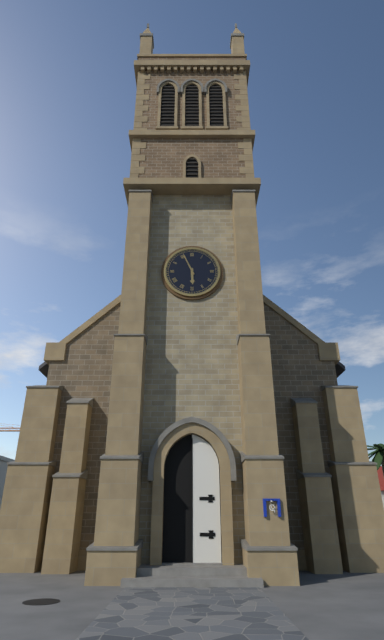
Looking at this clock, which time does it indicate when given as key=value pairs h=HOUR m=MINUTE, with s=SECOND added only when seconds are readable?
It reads h=5 m=56
